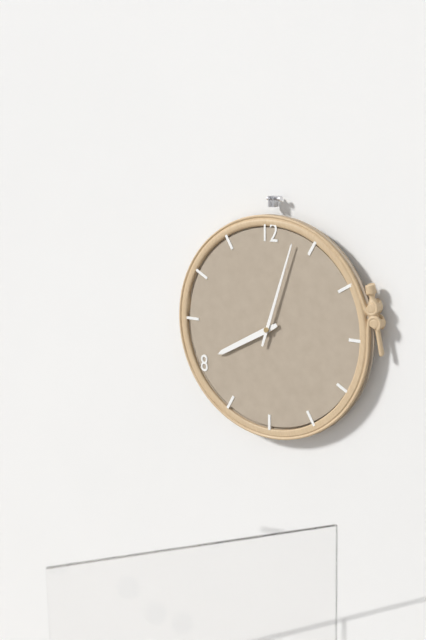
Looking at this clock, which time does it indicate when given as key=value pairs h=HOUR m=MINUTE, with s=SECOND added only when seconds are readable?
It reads h=8 m=3
